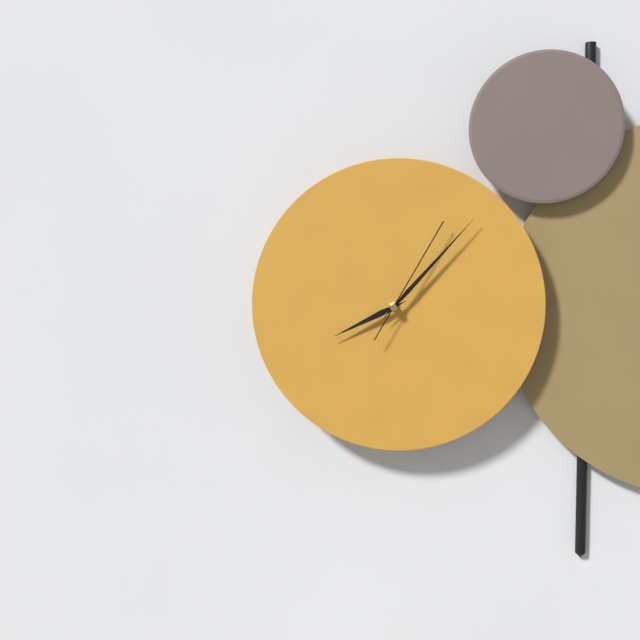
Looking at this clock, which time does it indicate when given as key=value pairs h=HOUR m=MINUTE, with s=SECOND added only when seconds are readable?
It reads h=8 m=7 s=5
